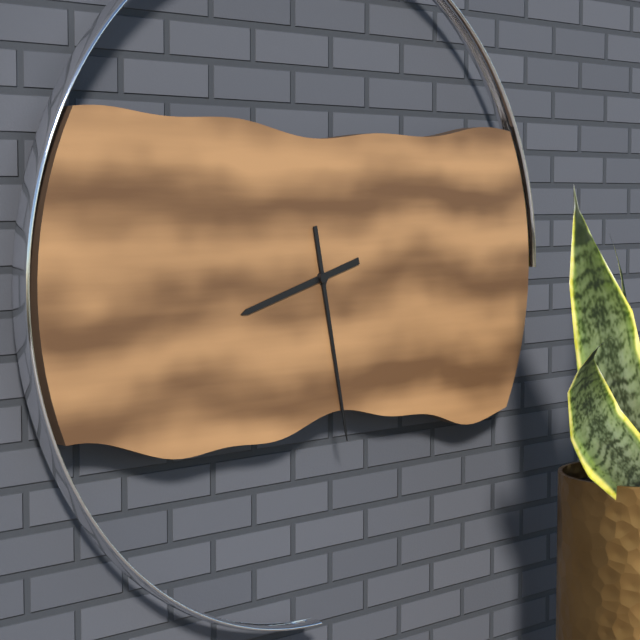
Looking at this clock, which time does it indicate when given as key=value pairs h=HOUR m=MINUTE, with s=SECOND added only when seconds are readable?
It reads h=8 m=28
